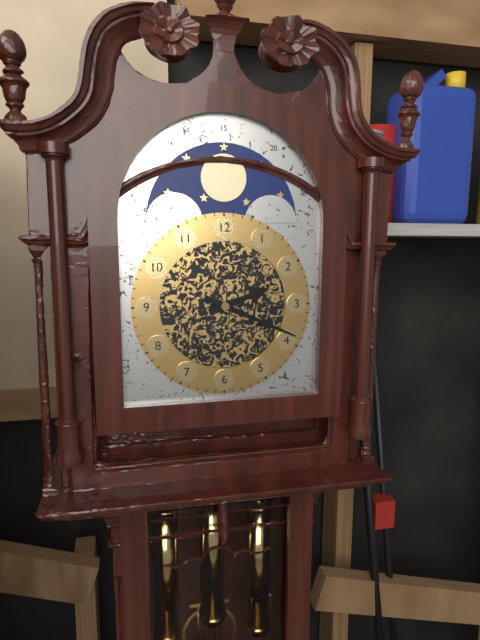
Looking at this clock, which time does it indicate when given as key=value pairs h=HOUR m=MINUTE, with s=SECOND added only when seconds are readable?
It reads h=2 m=19
